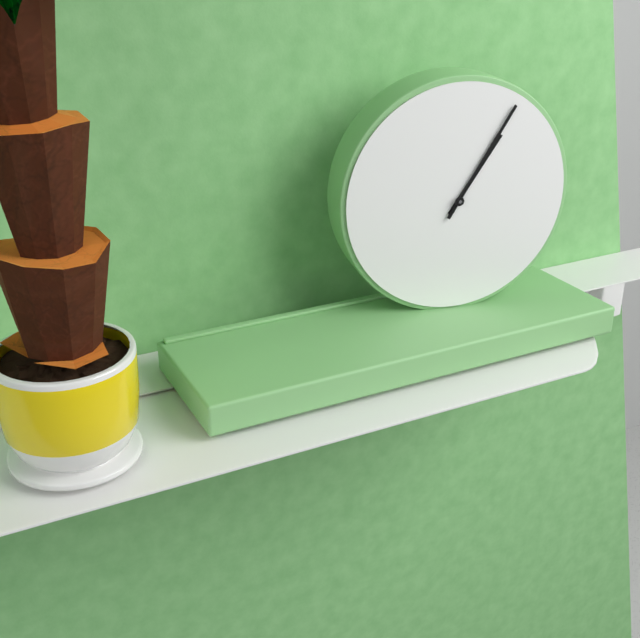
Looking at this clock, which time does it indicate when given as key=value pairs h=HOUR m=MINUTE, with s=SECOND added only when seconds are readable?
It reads h=1 m=5
